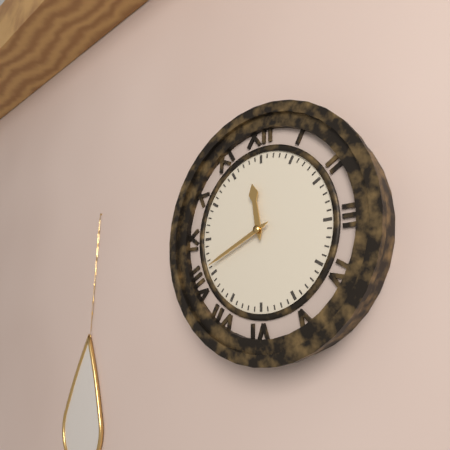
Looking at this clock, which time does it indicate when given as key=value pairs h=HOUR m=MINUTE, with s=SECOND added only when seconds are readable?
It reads h=11 m=41
